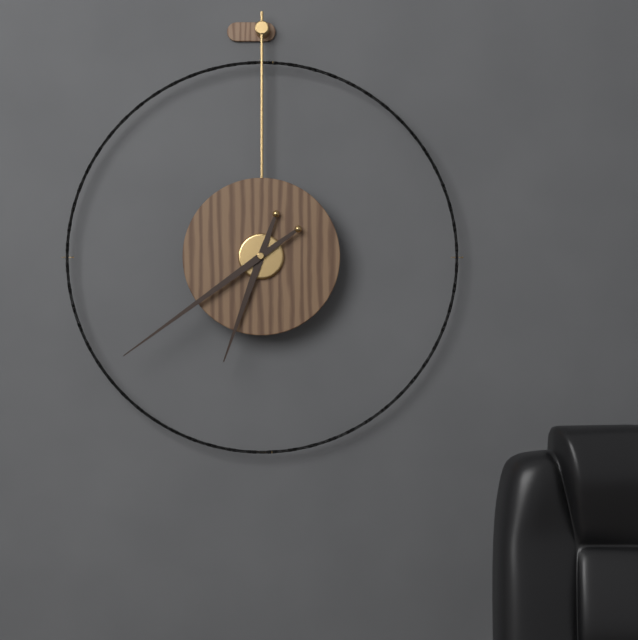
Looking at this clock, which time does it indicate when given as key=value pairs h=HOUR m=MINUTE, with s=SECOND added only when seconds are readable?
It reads h=6 m=39
